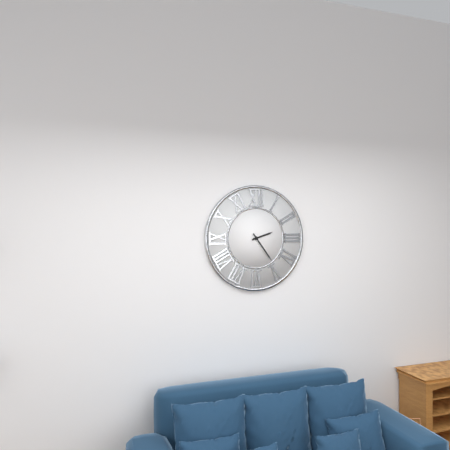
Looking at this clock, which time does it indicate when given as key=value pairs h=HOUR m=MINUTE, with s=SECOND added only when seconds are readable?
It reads h=2 m=24
